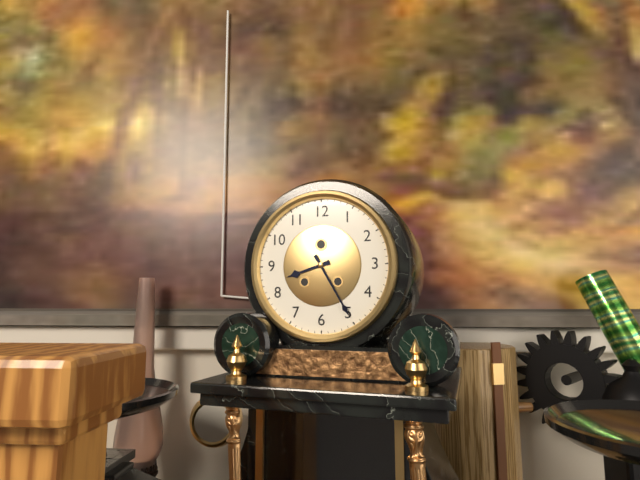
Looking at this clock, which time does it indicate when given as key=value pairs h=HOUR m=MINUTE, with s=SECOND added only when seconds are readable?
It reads h=8 m=25
